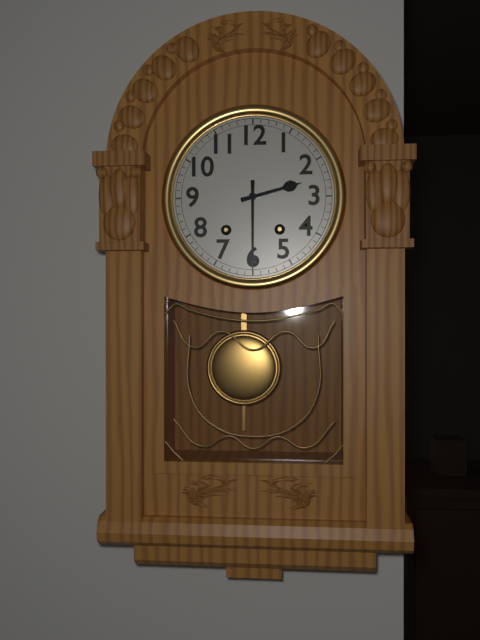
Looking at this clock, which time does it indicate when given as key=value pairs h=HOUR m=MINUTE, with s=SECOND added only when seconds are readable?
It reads h=2 m=30
